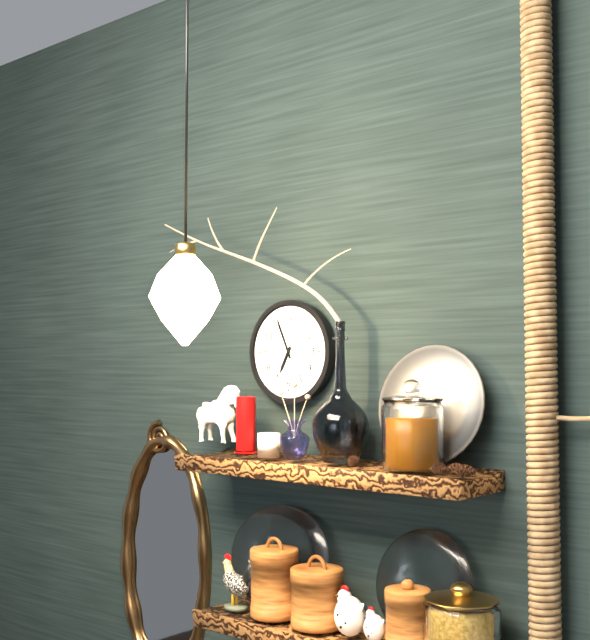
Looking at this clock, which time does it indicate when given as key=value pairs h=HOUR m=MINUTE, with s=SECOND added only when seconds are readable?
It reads h=6 m=56
